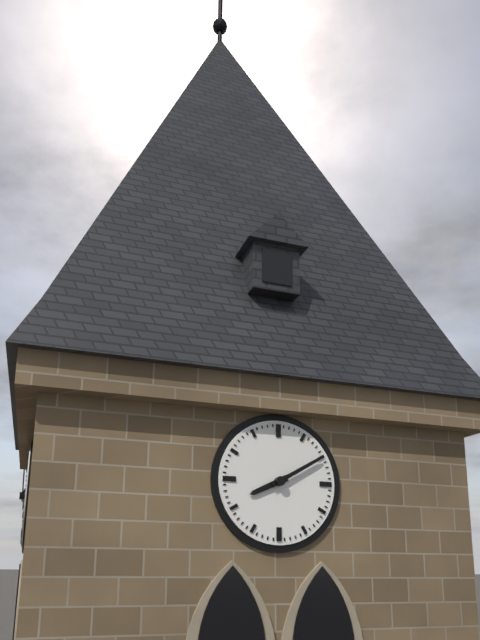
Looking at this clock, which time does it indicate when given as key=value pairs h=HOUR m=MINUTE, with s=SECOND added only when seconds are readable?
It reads h=8 m=10
